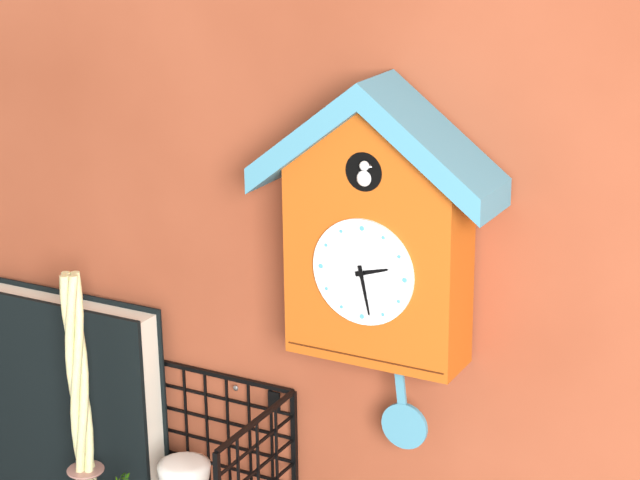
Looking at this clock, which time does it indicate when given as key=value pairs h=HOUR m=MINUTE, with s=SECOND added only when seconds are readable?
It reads h=2 m=28
